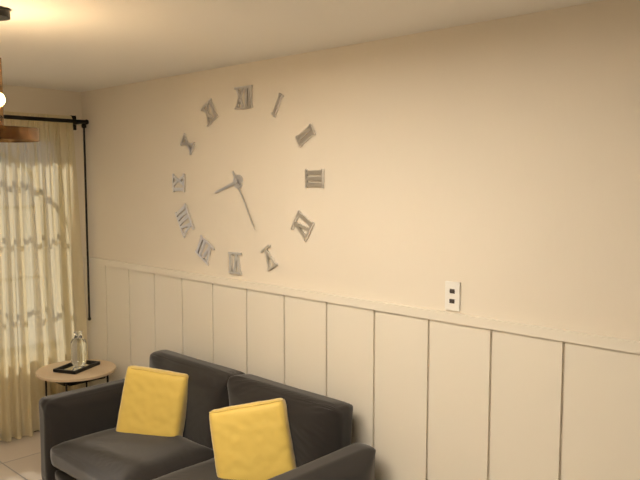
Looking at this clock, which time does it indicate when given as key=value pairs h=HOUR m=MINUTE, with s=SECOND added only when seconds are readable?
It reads h=8 m=25
